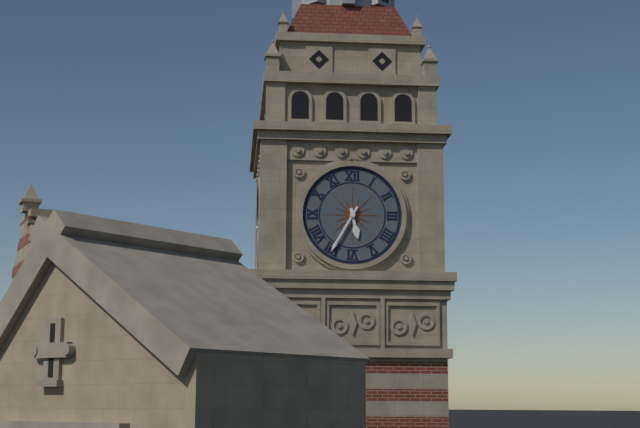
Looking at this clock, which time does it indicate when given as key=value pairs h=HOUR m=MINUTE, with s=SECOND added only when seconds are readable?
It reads h=5 m=35
